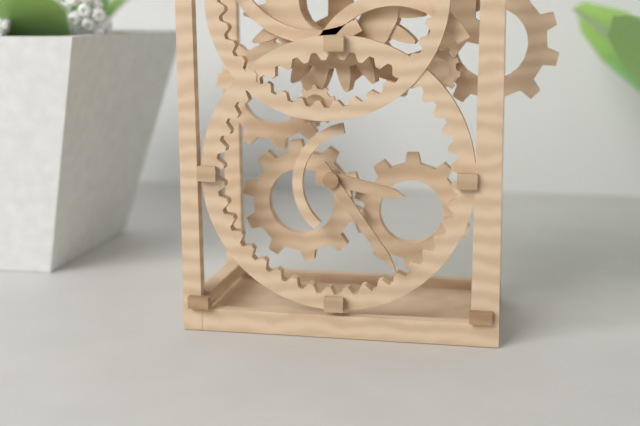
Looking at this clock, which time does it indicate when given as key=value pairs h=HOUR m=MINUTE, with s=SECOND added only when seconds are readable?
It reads h=3 m=24
